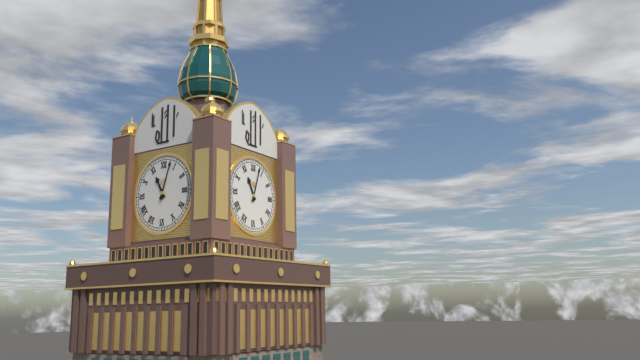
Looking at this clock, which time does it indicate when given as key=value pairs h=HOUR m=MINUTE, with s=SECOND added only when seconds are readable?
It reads h=11 m=3
